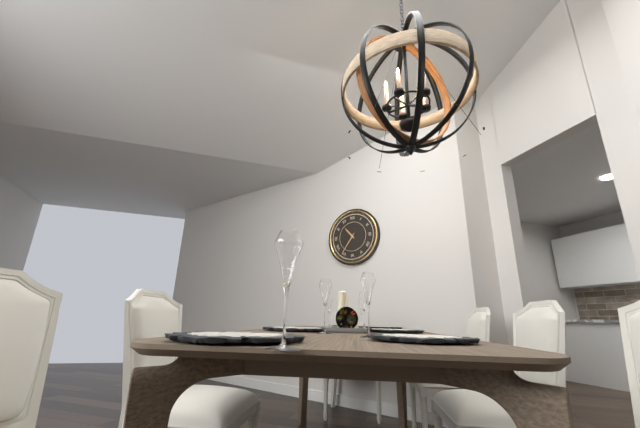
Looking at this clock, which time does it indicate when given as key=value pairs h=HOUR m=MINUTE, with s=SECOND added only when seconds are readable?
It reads h=10 m=36
